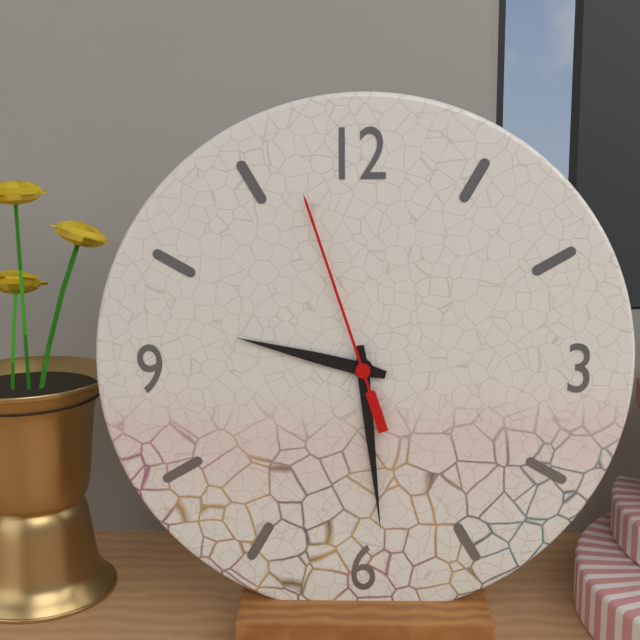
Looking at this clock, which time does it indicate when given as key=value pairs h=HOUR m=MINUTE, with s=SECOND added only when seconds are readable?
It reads h=9 m=29 s=57
